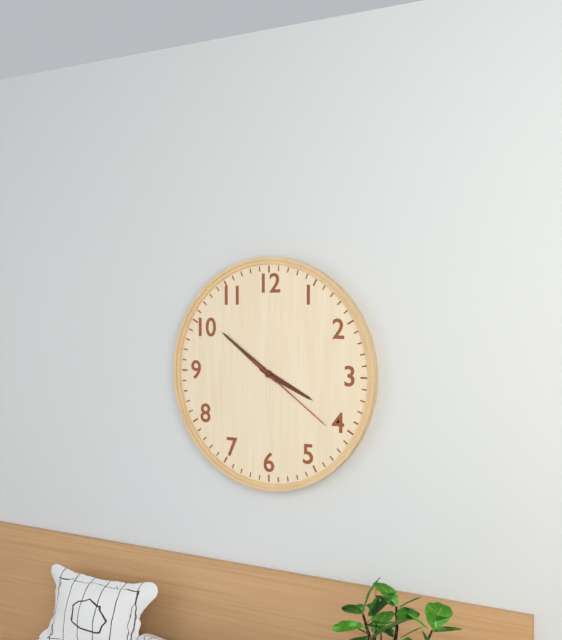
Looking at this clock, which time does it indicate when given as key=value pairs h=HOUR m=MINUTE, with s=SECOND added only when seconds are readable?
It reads h=3 m=51 s=21
